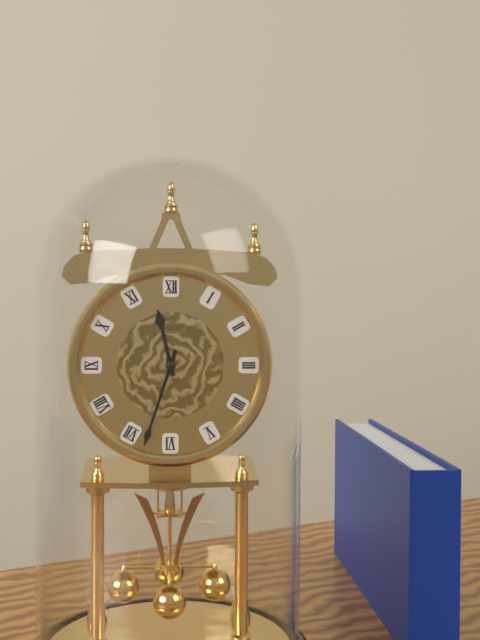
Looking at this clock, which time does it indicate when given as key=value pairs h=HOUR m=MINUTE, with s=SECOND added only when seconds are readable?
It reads h=11 m=33
